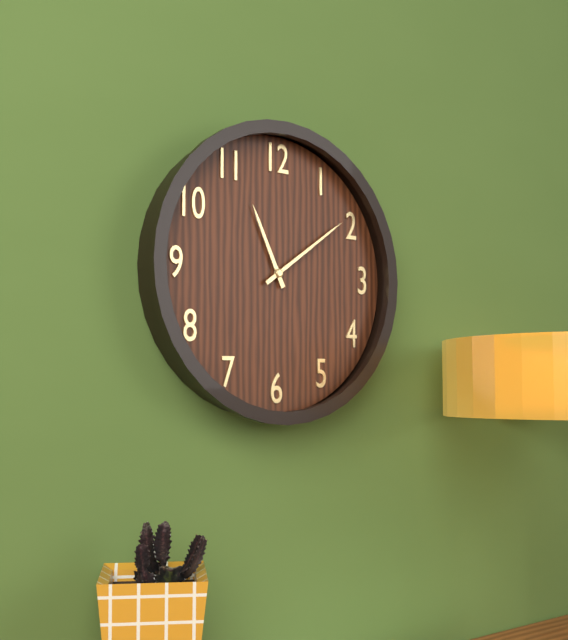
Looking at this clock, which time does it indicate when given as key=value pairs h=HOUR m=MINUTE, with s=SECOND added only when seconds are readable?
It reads h=11 m=9
